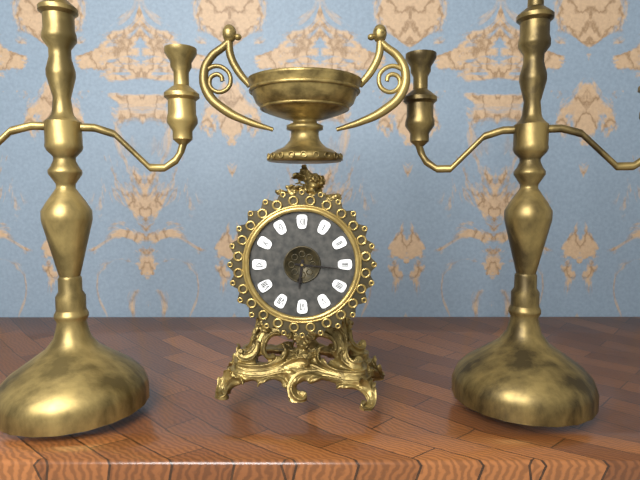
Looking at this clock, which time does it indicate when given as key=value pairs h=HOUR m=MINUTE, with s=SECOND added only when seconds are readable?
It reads h=6 m=16
